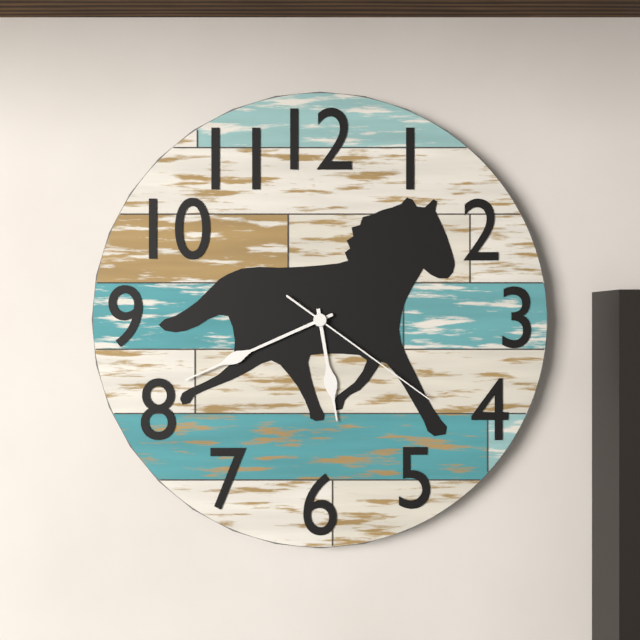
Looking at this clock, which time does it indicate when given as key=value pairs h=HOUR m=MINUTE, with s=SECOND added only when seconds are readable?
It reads h=5 m=41 s=21
